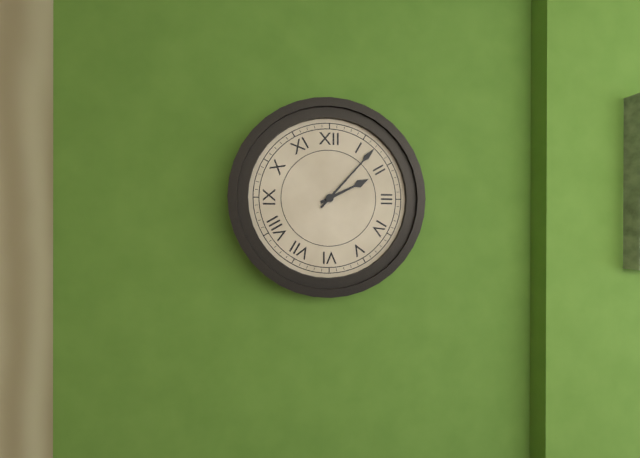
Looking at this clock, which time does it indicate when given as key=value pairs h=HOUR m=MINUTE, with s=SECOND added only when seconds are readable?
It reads h=2 m=7
